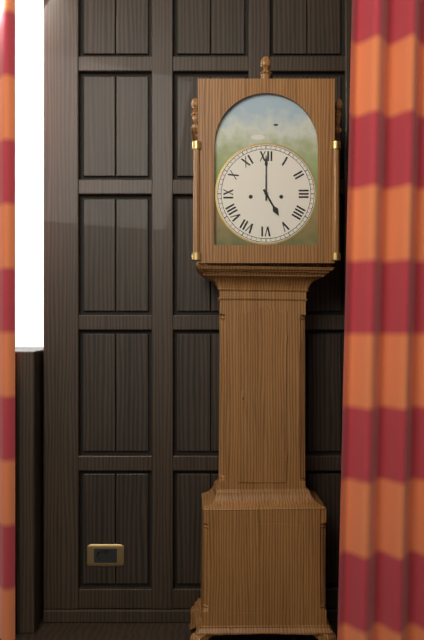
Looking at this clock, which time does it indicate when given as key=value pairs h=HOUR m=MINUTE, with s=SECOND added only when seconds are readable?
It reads h=5 m=0
